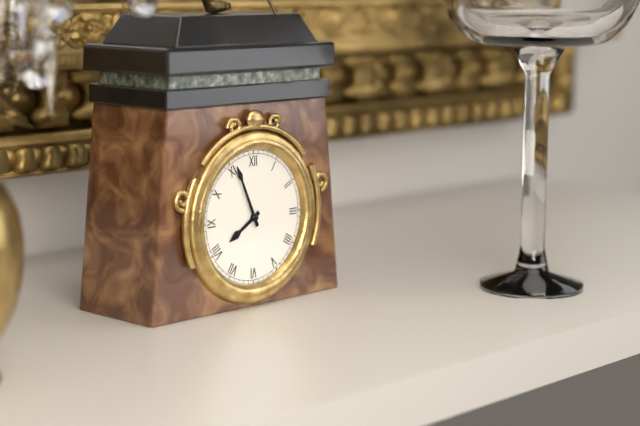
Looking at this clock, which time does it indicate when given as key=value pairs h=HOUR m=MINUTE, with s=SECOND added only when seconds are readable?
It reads h=7 m=56
